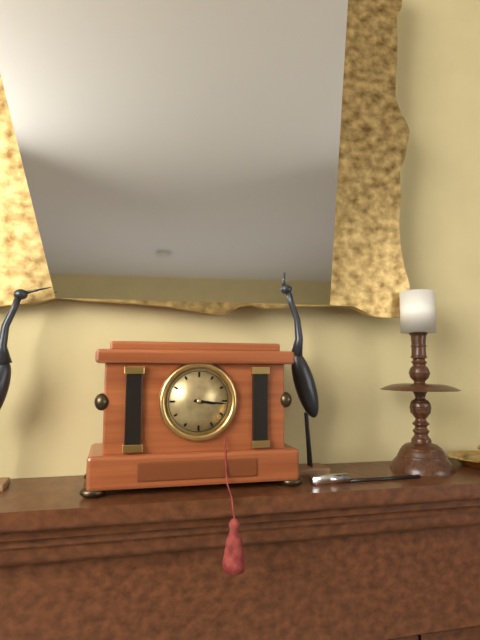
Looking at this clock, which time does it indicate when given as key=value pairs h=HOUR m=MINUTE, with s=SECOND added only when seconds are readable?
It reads h=3 m=16
